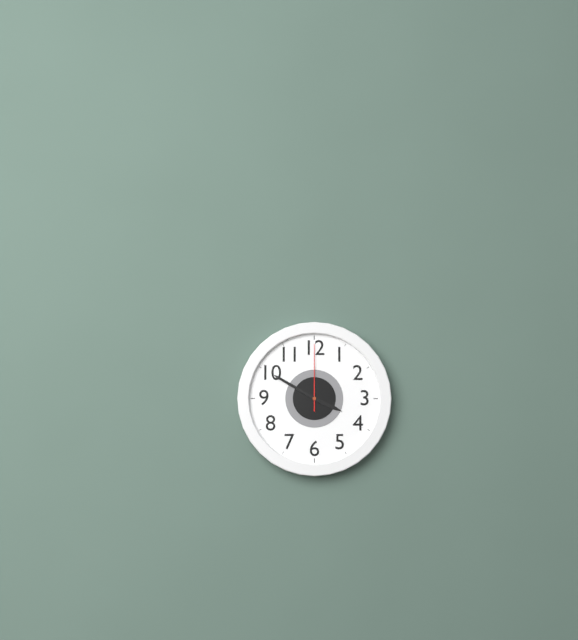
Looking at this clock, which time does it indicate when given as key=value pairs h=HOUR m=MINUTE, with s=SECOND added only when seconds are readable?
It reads h=3 m=50 s=0
